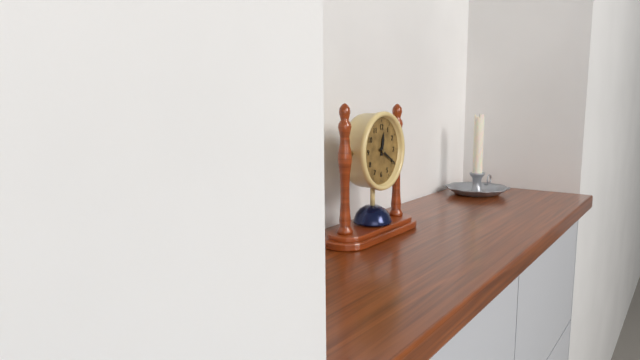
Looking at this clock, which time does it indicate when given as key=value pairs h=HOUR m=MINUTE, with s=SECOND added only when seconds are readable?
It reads h=12 m=20
